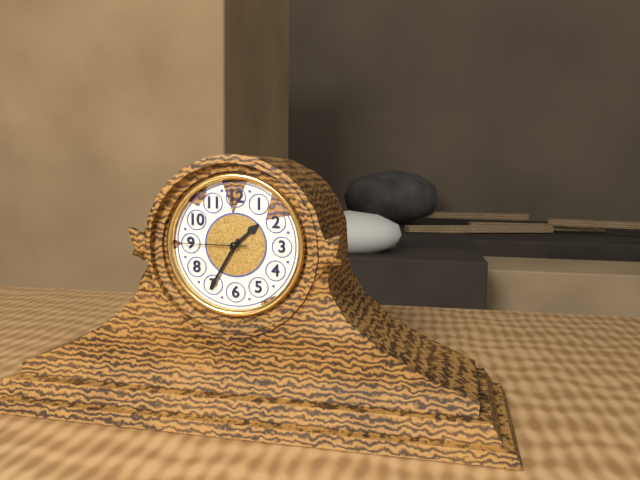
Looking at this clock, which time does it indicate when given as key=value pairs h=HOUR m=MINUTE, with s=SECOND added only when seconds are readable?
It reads h=1 m=35 s=45
